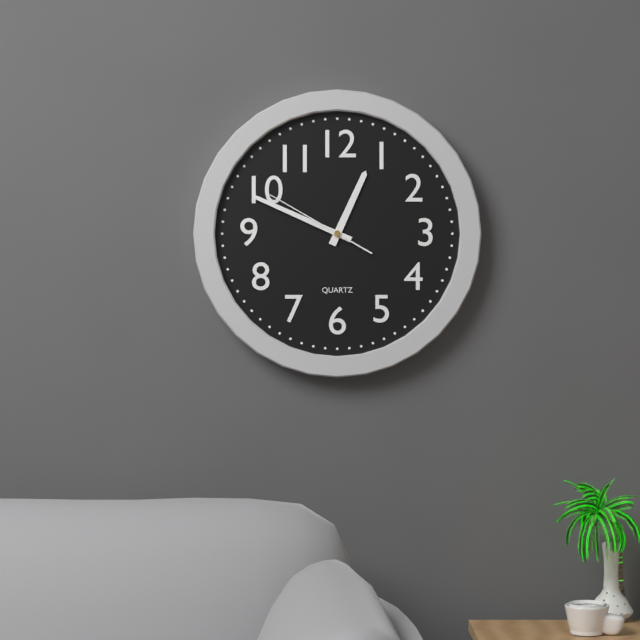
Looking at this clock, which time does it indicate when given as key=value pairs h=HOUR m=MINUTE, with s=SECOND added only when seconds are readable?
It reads h=12 m=49 s=50
